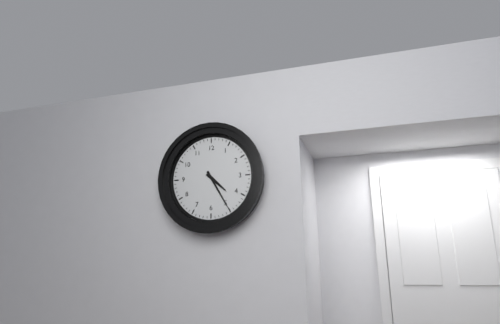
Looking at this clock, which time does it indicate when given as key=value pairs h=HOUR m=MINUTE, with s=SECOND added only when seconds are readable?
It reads h=4 m=25
